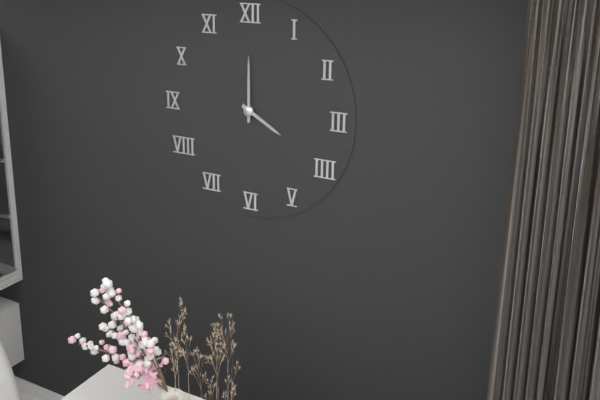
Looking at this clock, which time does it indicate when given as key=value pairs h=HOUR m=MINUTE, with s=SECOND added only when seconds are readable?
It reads h=4 m=0
